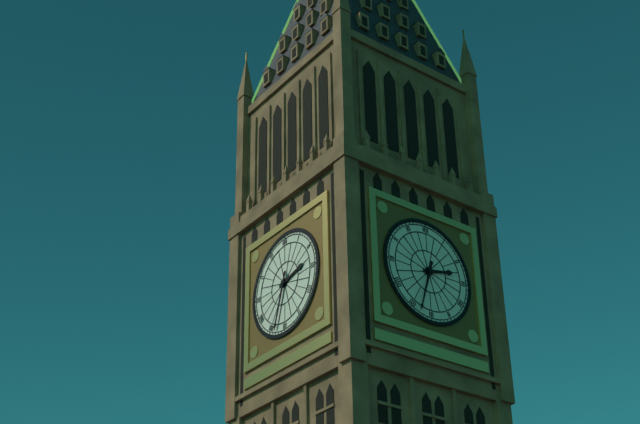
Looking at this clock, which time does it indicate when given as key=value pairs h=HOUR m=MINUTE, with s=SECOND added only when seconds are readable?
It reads h=2 m=33
